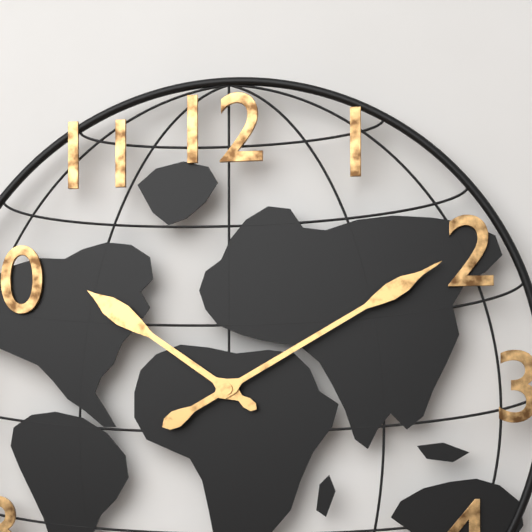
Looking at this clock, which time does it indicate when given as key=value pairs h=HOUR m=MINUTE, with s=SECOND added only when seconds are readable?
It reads h=10 m=10
